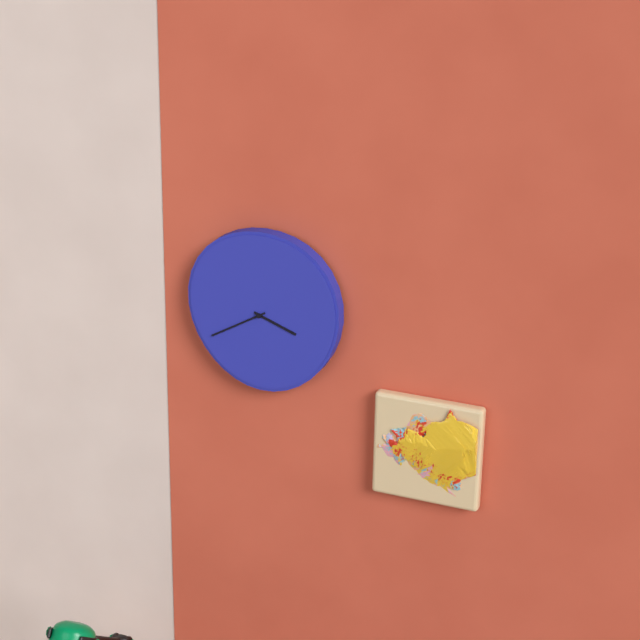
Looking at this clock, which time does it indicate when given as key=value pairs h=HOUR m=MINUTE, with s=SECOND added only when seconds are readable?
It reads h=3 m=40
